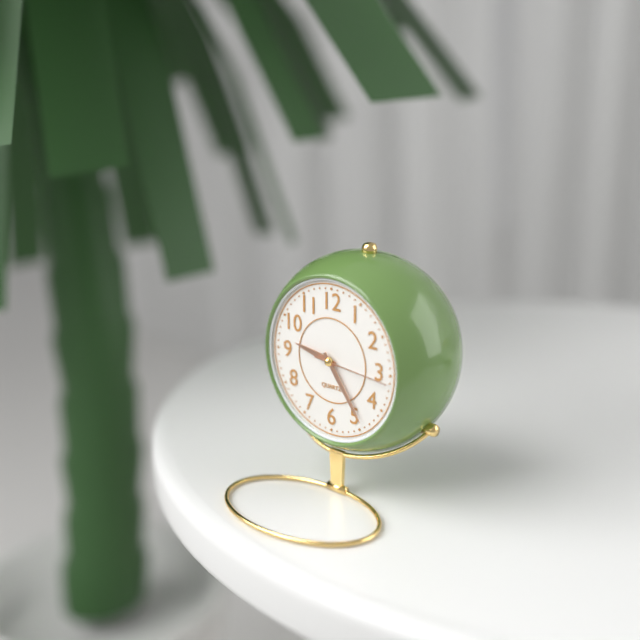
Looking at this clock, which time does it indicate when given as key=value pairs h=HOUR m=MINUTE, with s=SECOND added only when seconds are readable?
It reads h=9 m=24 s=16
